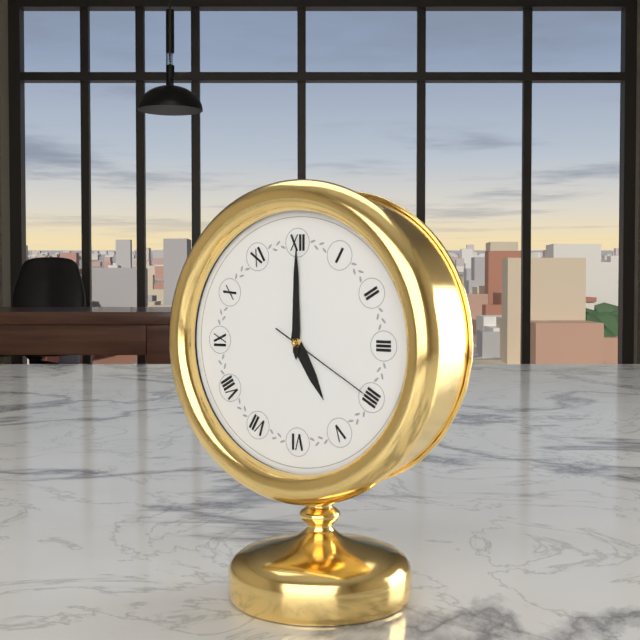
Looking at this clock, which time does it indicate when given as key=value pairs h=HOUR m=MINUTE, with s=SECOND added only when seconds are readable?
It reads h=5 m=0 s=20
